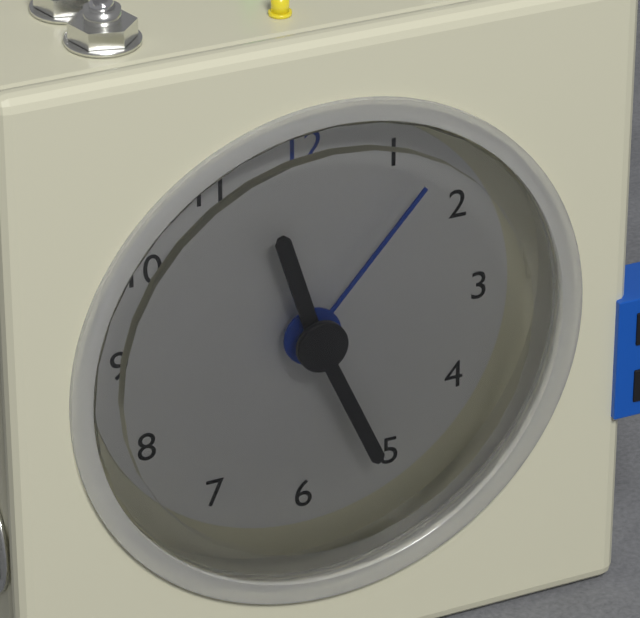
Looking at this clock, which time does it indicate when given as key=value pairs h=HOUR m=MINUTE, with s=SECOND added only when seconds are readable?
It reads h=11 m=26 s=7
